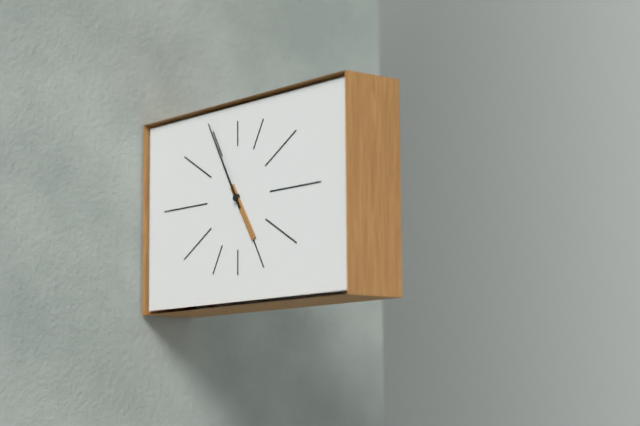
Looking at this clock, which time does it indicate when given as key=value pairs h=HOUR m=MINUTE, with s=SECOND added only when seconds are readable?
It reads h=4 m=55
